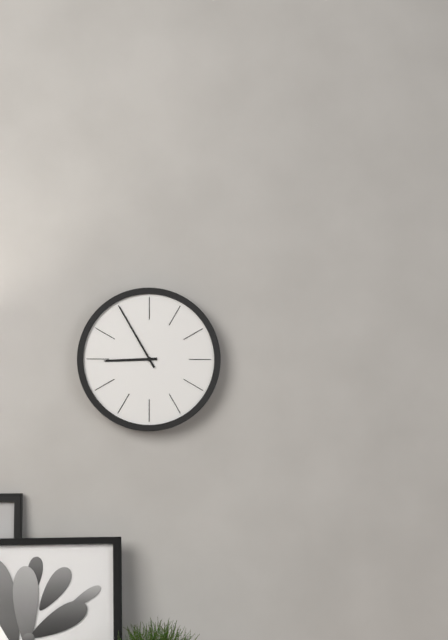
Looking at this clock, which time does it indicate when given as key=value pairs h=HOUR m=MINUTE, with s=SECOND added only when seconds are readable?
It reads h=8 m=55
